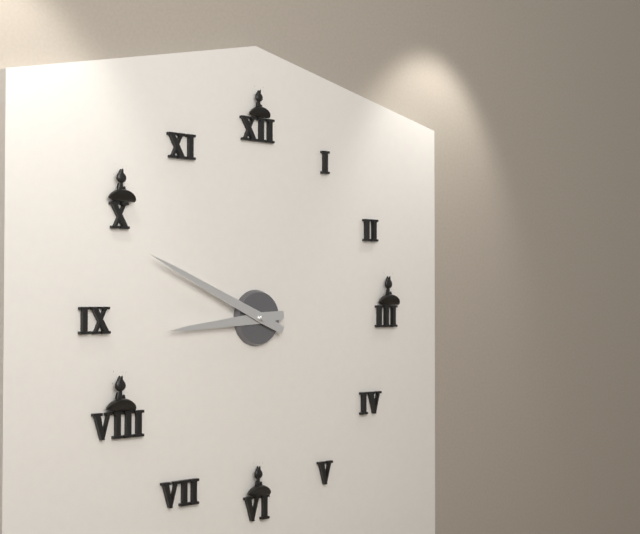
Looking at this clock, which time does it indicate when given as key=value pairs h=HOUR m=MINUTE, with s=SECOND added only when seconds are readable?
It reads h=8 m=49
